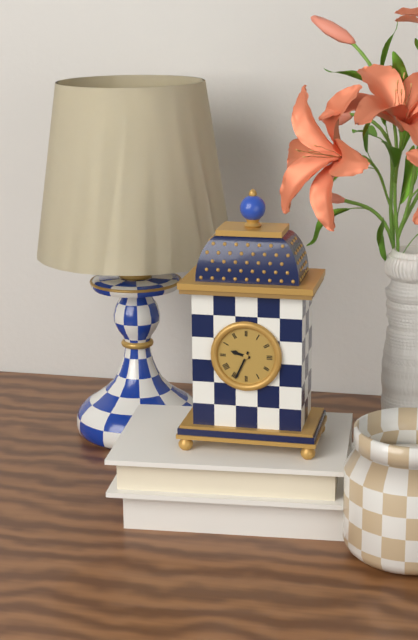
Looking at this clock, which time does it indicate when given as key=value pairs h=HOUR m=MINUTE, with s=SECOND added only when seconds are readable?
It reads h=9 m=34
